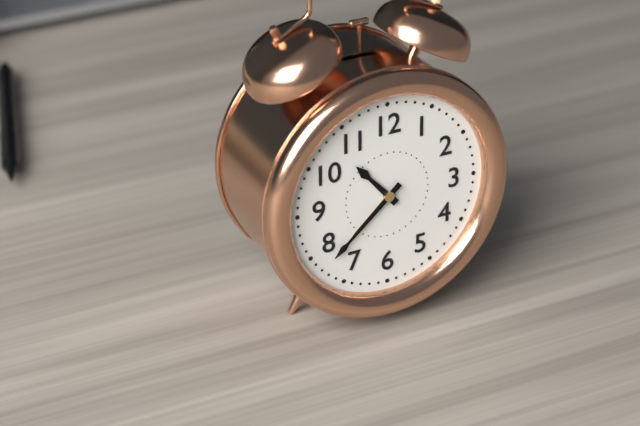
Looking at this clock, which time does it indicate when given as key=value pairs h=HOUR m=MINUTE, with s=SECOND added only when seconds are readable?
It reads h=10 m=38
